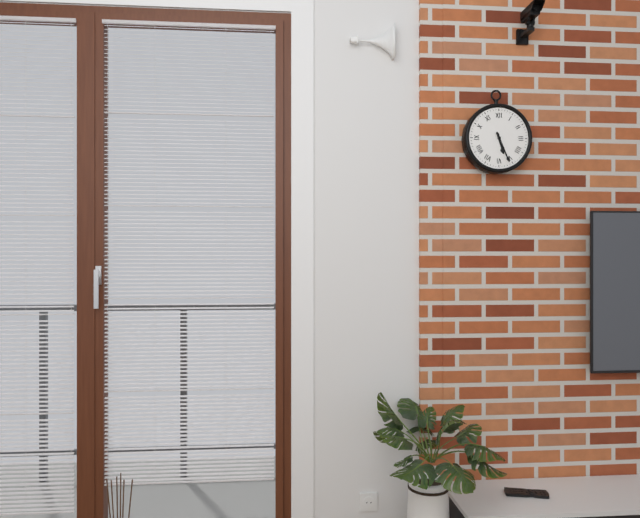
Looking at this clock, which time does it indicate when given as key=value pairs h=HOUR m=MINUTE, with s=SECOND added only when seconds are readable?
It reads h=5 m=26
